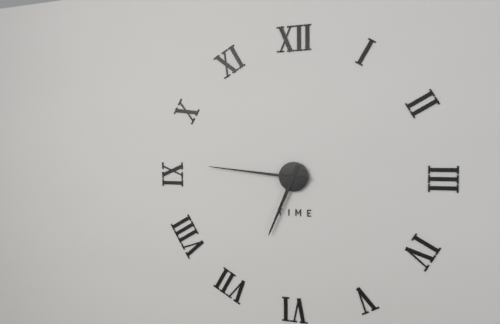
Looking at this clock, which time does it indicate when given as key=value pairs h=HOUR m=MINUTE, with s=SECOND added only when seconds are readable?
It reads h=6 m=46
